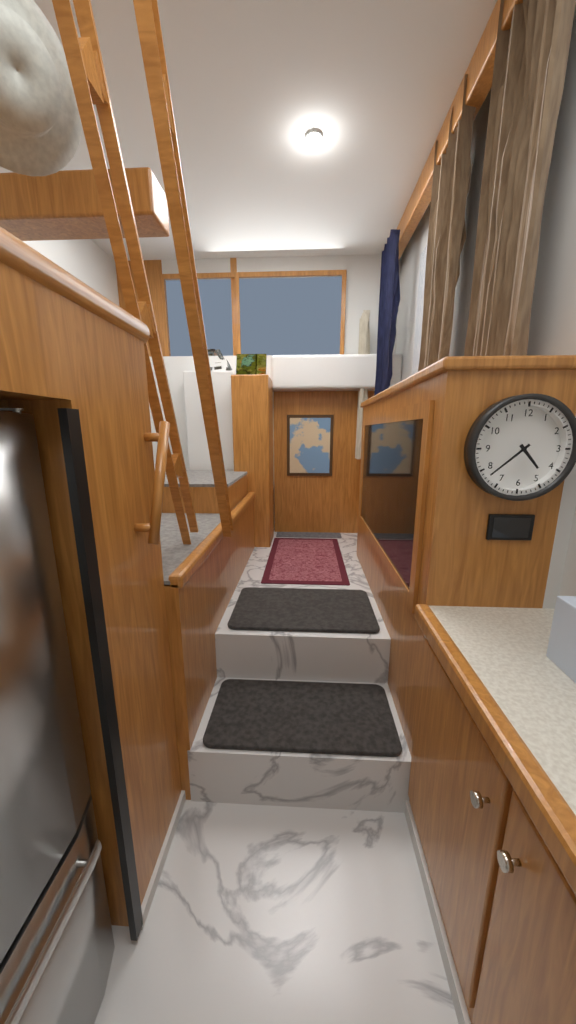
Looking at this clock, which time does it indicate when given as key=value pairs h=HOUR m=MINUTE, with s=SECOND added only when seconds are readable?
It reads h=4 m=38
